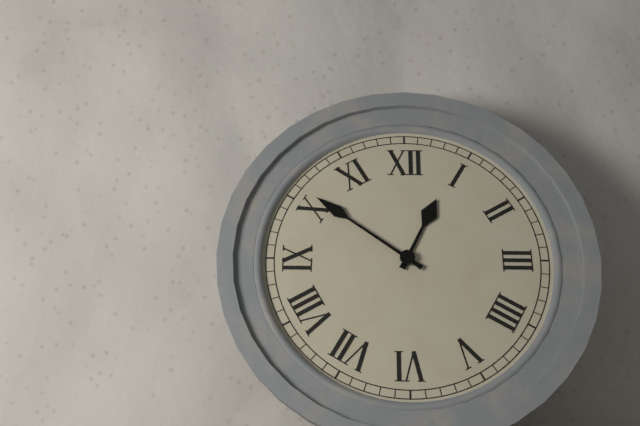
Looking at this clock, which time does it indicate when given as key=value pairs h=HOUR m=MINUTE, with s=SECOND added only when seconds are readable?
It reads h=12 m=51
